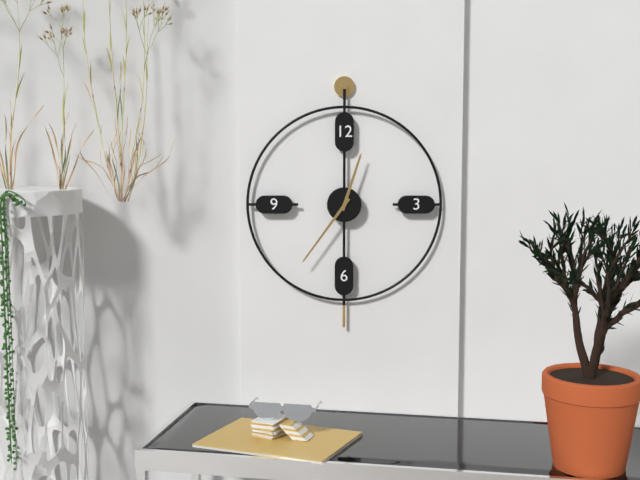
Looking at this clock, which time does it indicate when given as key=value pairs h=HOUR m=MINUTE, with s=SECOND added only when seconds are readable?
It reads h=12 m=36
